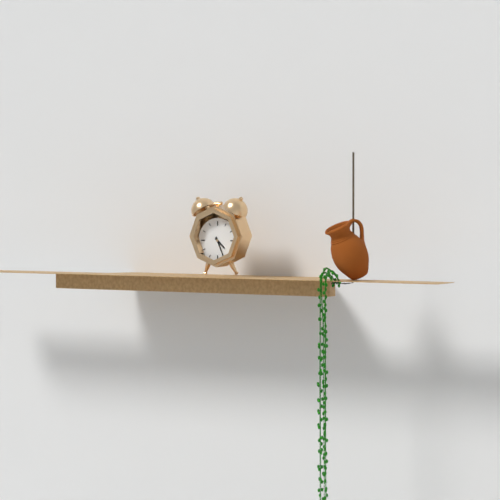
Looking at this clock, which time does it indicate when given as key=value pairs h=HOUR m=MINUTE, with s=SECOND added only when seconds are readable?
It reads h=4 m=26
